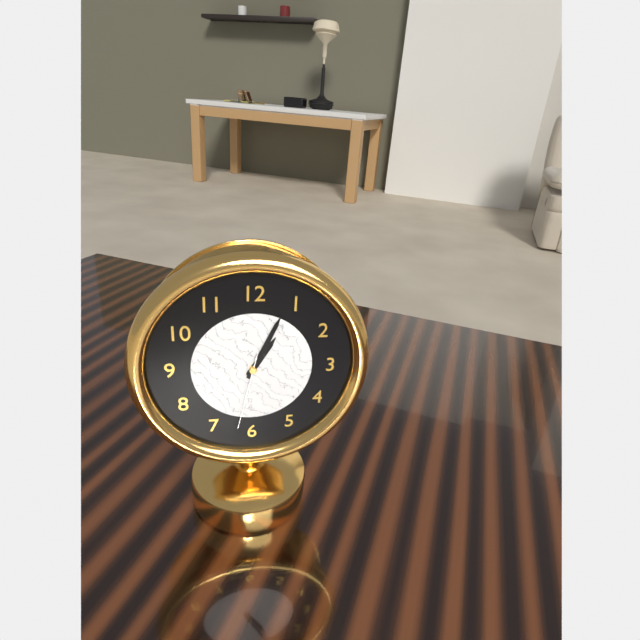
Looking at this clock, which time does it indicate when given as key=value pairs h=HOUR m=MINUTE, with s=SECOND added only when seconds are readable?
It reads h=1 m=4 s=32
